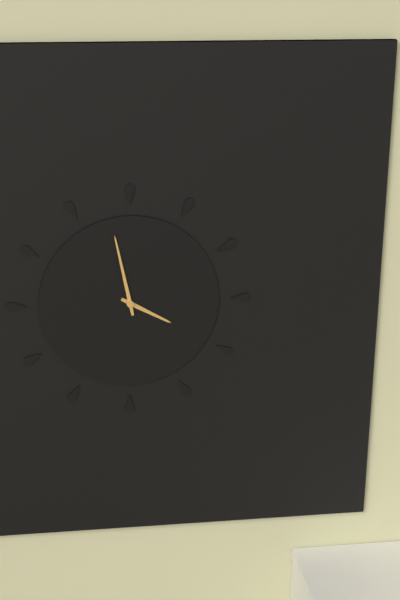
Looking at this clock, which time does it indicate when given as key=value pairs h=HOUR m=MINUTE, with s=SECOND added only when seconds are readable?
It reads h=3 m=58
